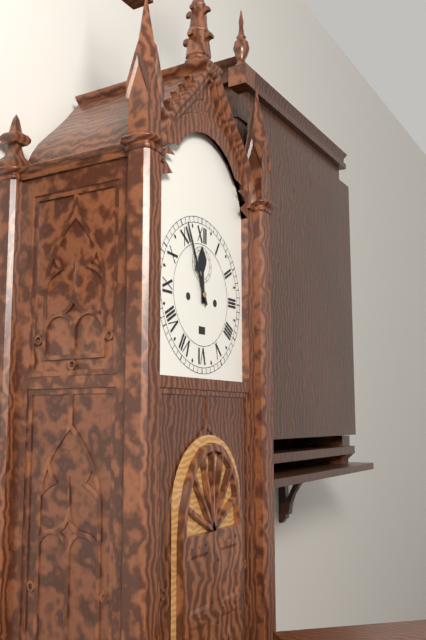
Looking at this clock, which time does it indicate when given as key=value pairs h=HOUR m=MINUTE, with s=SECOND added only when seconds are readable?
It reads h=11 m=56
